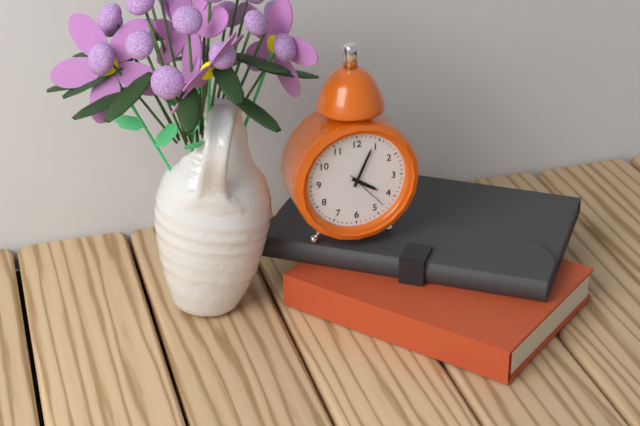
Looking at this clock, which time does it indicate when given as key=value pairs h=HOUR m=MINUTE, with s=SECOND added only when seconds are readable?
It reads h=4 m=4 s=23
